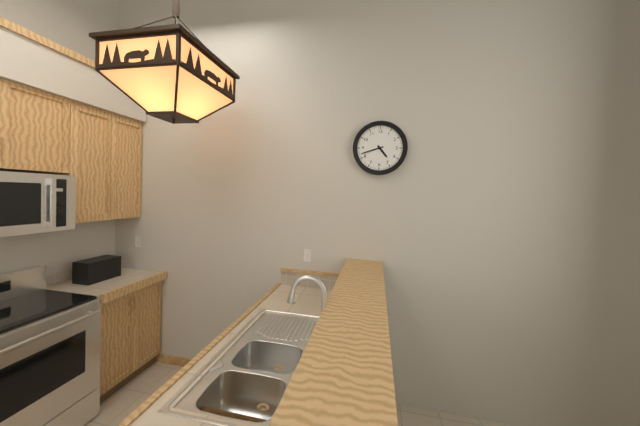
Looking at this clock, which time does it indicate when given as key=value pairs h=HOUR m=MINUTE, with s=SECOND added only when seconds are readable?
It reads h=4 m=42
